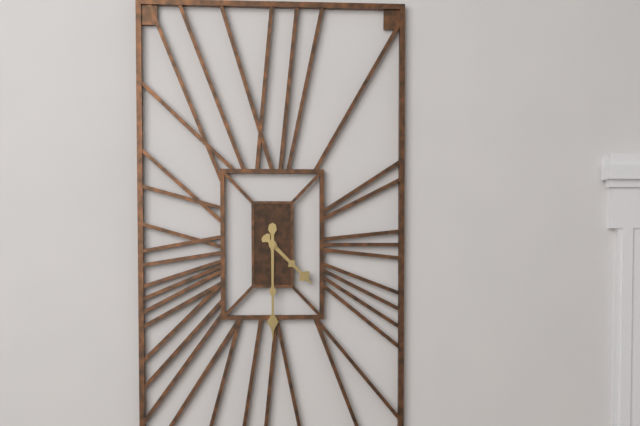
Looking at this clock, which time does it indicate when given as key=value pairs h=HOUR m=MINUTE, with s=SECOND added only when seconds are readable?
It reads h=4 m=30
